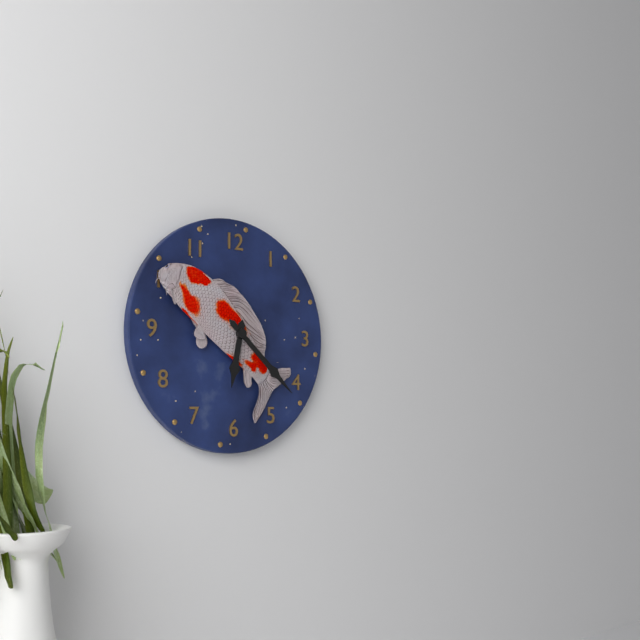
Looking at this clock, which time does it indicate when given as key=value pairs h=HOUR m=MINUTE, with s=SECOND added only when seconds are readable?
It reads h=6 m=22
